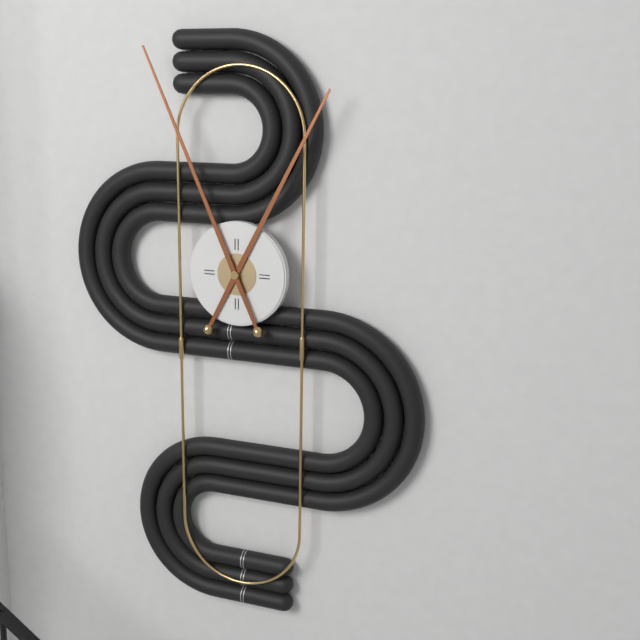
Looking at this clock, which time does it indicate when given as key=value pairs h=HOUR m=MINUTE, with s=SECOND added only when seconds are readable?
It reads h=12 m=56
